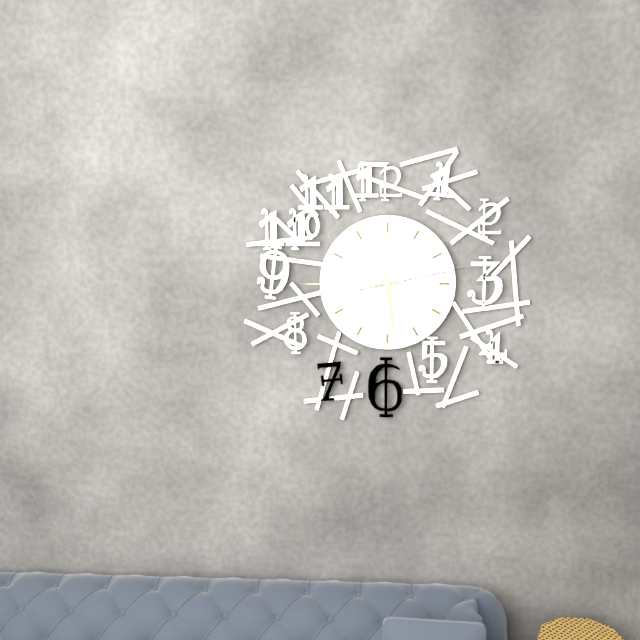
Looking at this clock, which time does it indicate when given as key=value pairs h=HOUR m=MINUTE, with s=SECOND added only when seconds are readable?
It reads h=5 m=45 s=13
